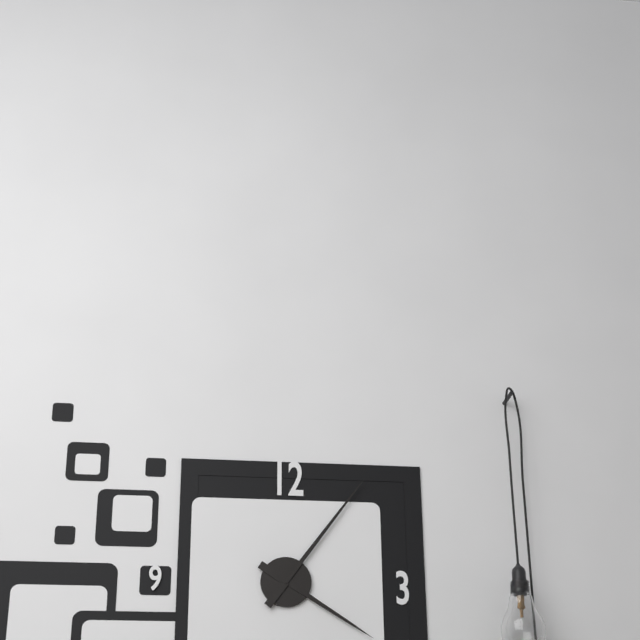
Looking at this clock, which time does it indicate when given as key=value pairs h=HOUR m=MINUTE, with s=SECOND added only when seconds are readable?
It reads h=4 m=6
